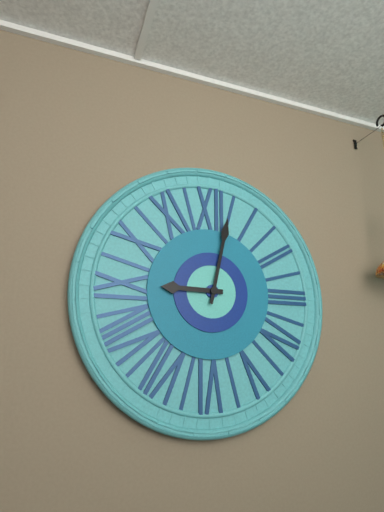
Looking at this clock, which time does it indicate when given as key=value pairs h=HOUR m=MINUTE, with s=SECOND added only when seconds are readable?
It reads h=9 m=2
